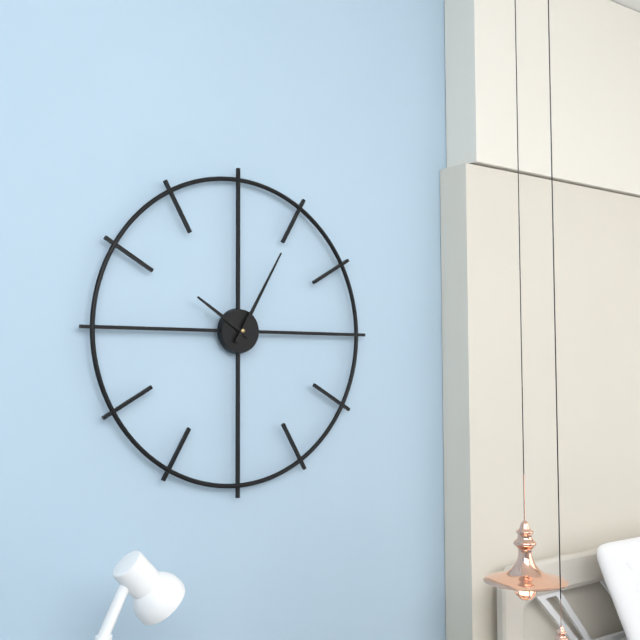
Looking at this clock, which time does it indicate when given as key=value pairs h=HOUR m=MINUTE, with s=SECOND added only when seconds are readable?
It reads h=10 m=5
